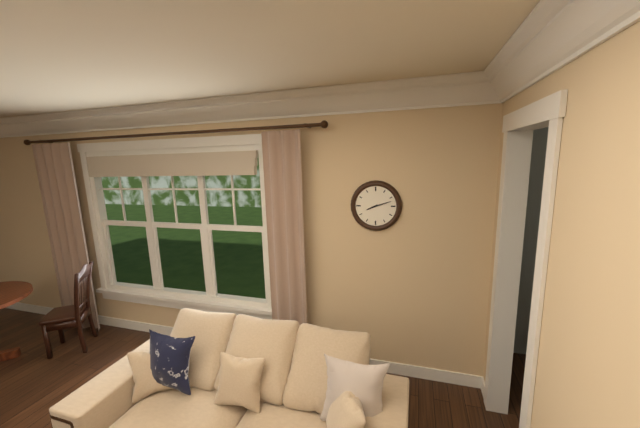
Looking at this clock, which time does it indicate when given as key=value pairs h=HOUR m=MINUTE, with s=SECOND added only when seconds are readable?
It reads h=8 m=12
